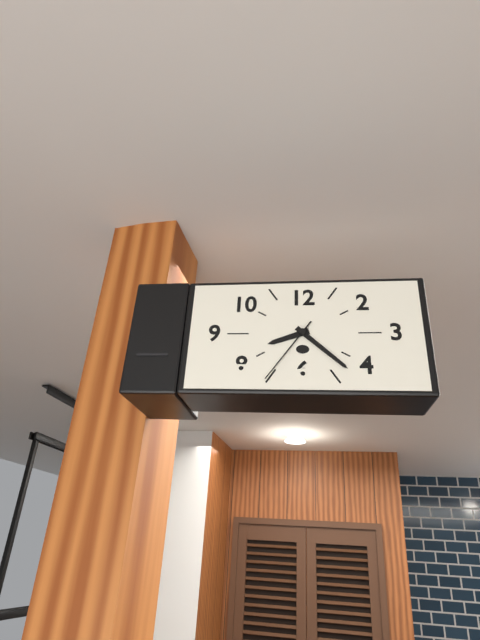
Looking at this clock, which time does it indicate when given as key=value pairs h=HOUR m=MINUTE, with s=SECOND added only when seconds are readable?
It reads h=8 m=22 s=36
